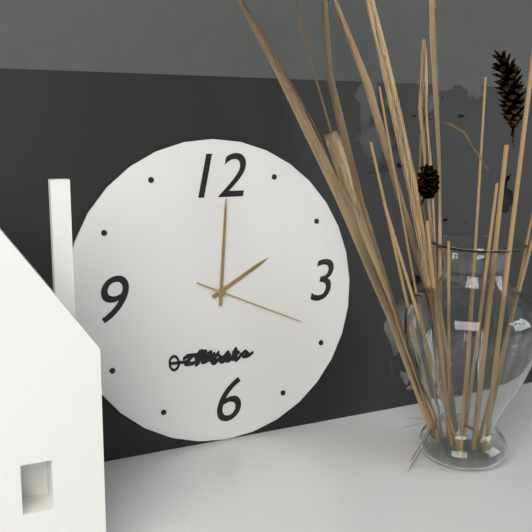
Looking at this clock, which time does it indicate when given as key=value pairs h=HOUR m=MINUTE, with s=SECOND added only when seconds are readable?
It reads h=2 m=1 s=19
